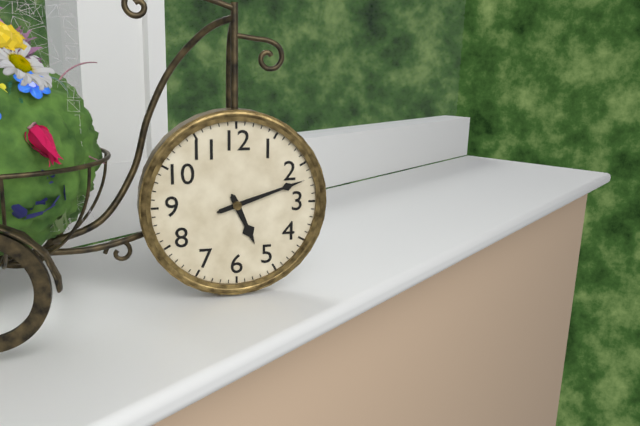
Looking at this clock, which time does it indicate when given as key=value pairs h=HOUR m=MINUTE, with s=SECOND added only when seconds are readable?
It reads h=5 m=12
